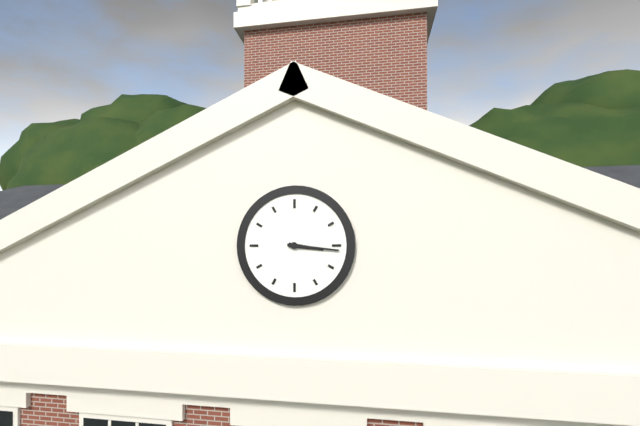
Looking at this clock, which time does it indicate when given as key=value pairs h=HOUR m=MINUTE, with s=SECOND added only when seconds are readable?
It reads h=3 m=16
